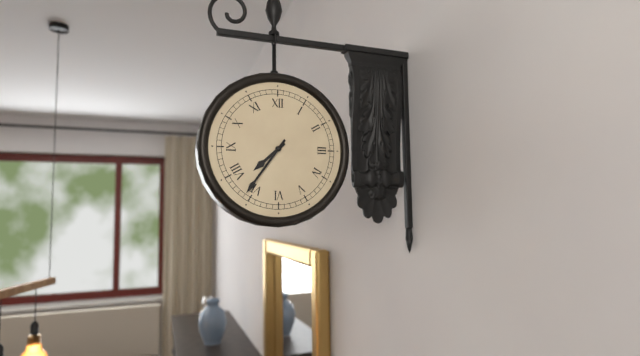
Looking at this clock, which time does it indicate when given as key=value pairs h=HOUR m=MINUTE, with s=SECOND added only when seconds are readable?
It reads h=7 m=36
